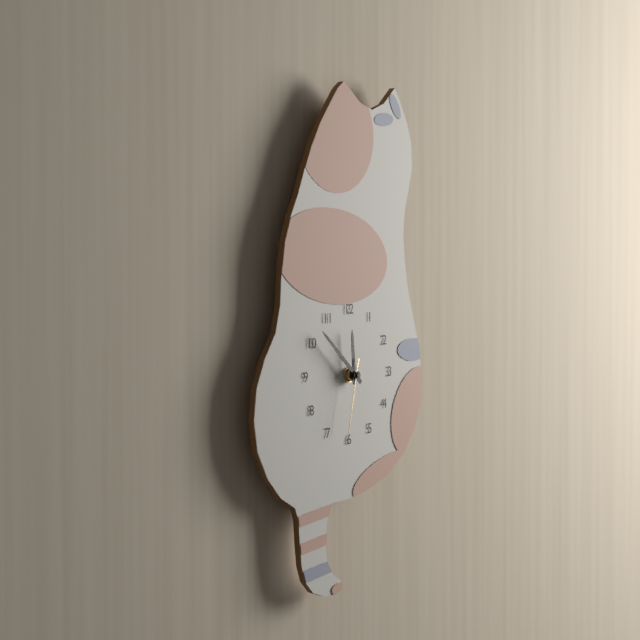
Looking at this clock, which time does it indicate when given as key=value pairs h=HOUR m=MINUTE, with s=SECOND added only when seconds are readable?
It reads h=11 m=52 s=32
